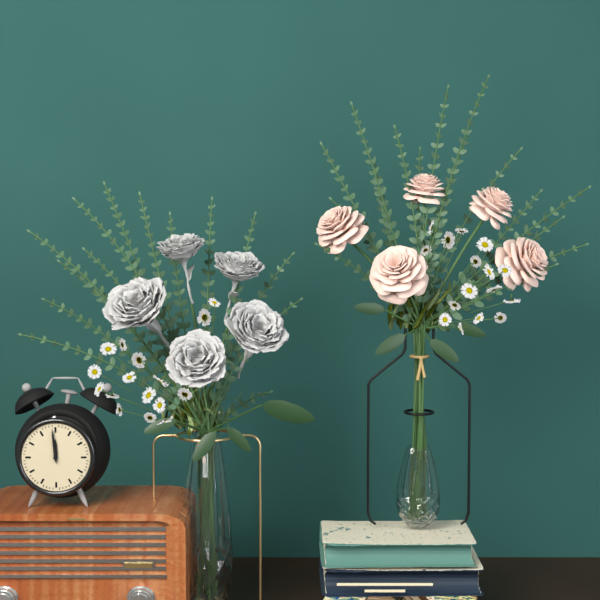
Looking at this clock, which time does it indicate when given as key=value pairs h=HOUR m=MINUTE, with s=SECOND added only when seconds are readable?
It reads h=11 m=59
